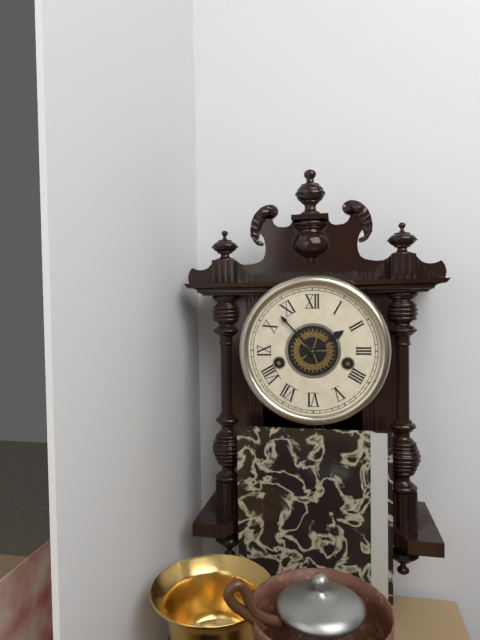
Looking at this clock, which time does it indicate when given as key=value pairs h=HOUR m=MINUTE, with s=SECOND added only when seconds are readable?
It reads h=1 m=53
